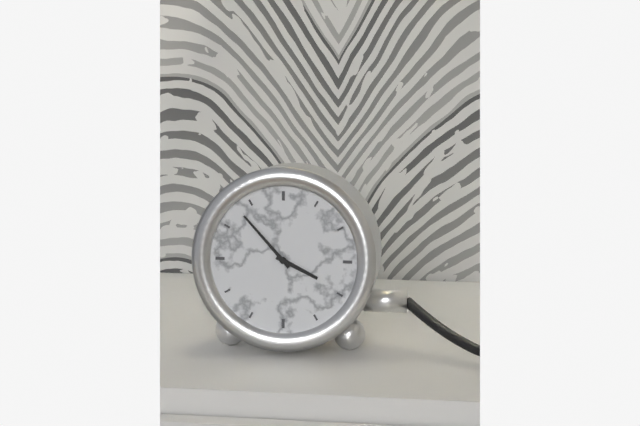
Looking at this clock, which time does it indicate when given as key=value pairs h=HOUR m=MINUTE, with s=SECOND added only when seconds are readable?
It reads h=3 m=53
